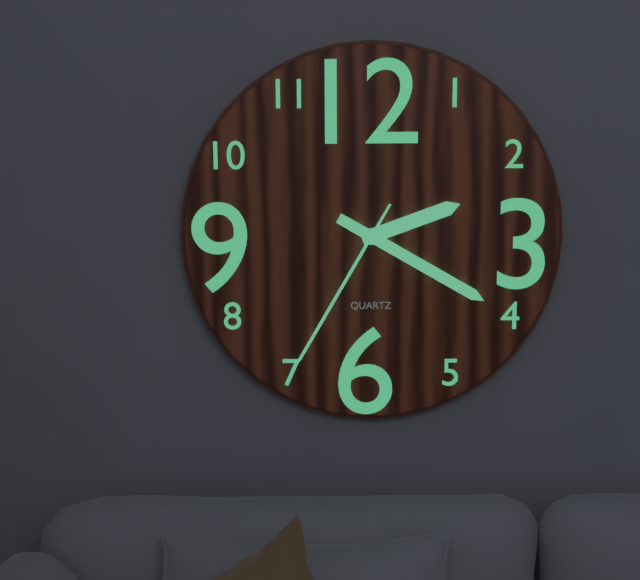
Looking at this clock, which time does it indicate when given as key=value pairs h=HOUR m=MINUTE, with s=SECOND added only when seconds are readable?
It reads h=2 m=20 s=35
